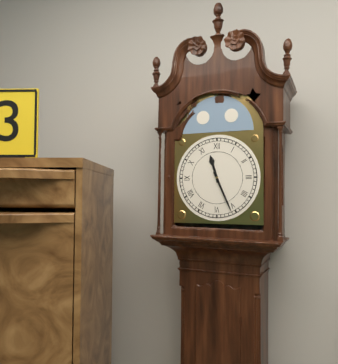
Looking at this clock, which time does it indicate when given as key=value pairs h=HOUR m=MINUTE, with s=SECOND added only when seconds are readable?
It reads h=11 m=26
